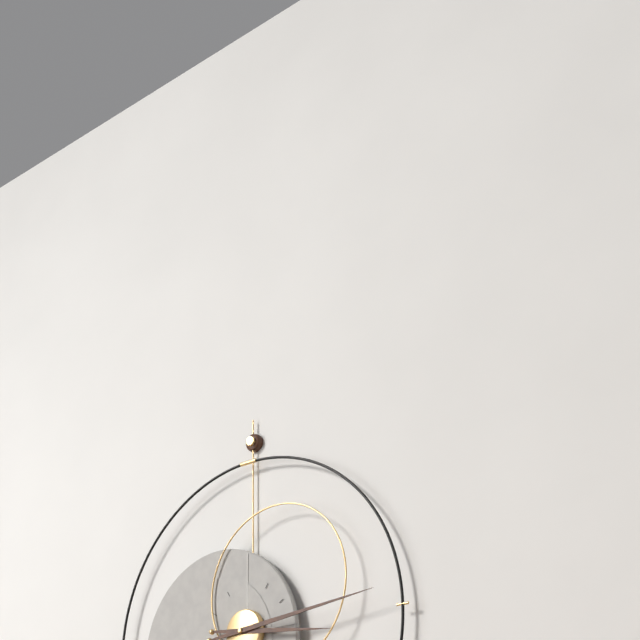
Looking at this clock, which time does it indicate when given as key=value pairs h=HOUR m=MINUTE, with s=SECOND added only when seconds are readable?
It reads h=3 m=14
